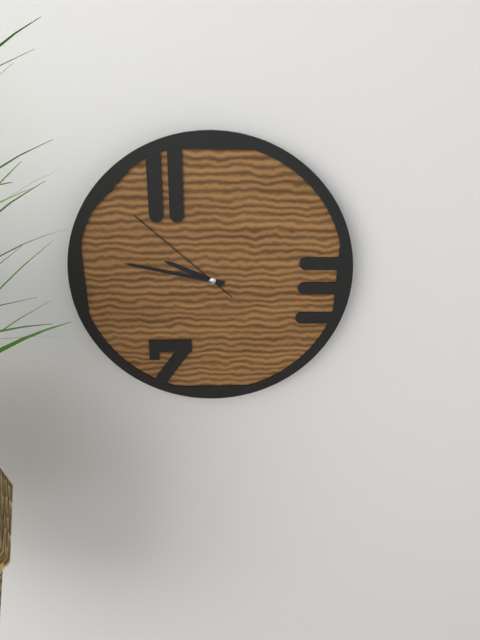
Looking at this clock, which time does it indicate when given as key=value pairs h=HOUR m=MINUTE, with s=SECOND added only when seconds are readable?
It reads h=9 m=47 s=52
